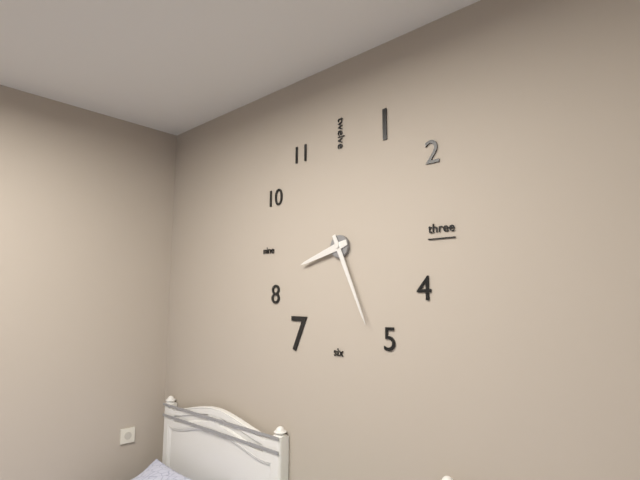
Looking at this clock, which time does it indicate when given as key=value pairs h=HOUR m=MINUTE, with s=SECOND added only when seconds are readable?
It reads h=8 m=26
